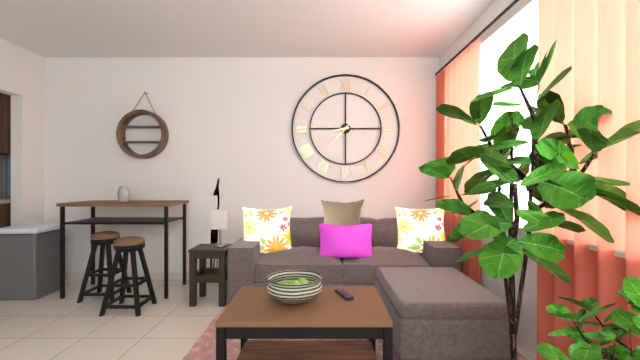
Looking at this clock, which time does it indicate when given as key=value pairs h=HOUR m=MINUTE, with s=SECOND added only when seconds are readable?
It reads h=8 m=37
